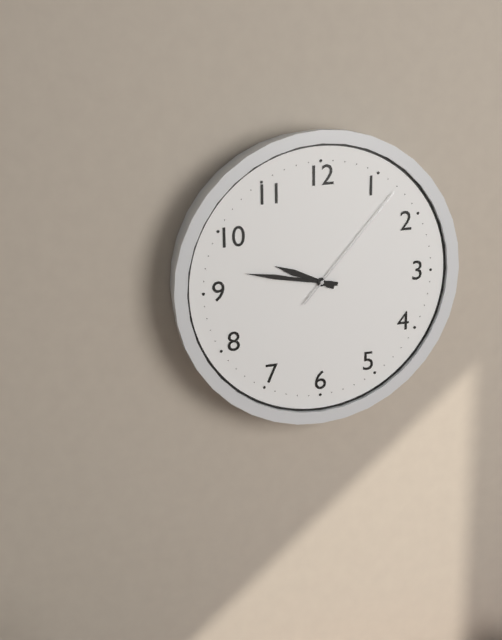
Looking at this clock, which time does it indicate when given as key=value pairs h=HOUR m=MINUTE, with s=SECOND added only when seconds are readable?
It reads h=9 m=47 s=7
